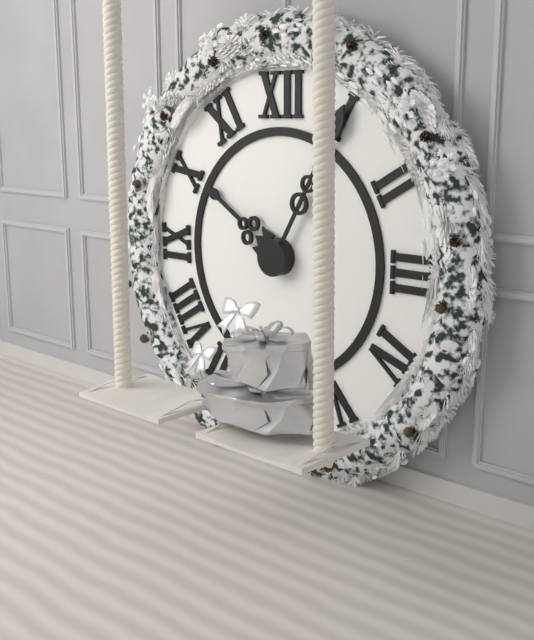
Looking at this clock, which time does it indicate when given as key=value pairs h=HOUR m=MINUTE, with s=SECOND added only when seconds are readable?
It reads h=10 m=5
